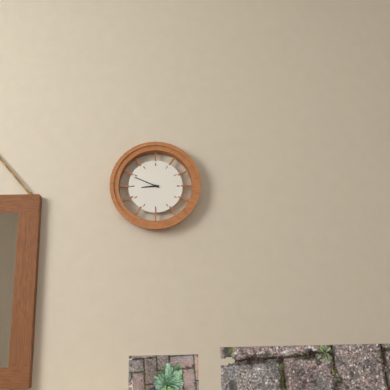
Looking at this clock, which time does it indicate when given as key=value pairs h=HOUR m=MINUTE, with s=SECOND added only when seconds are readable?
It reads h=8 m=49
